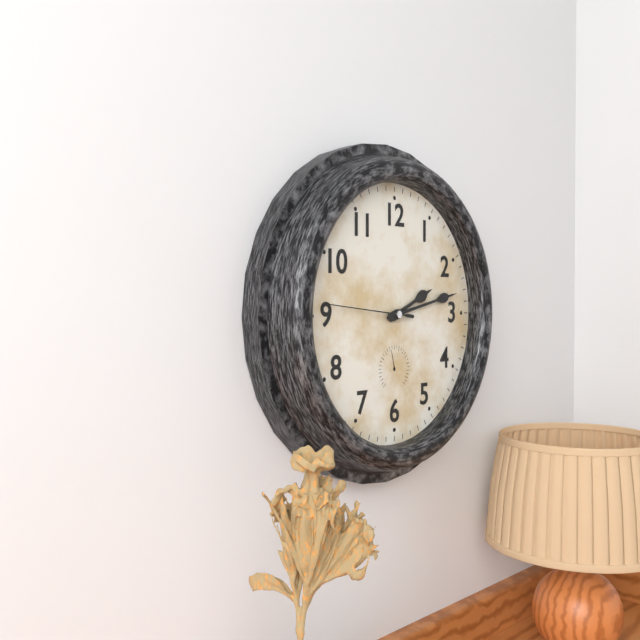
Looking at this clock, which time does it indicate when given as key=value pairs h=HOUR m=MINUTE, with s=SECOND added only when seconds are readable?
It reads h=2 m=13 s=46
